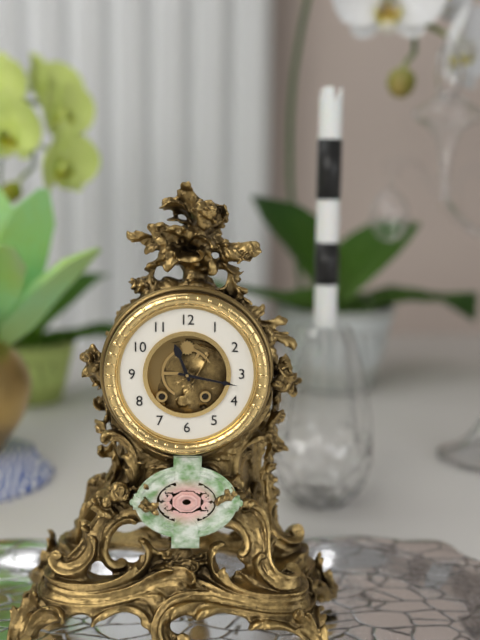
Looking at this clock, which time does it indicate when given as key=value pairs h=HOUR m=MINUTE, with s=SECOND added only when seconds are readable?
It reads h=11 m=17
